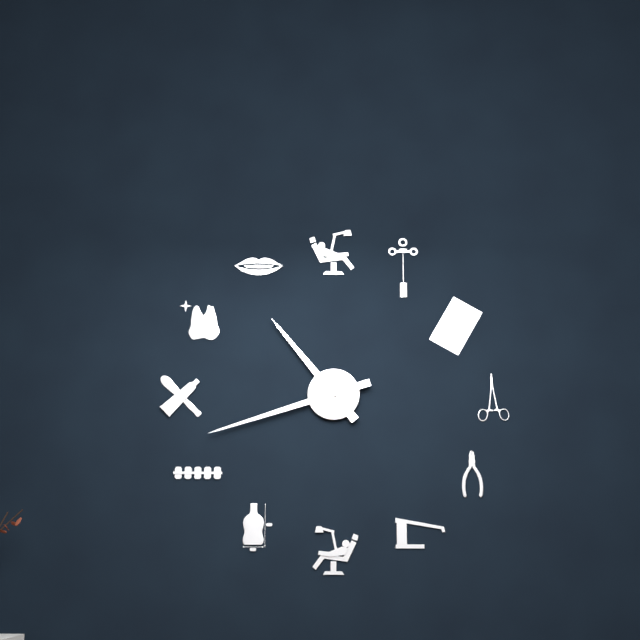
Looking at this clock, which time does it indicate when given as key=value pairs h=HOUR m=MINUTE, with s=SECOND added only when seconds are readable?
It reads h=10 m=42
